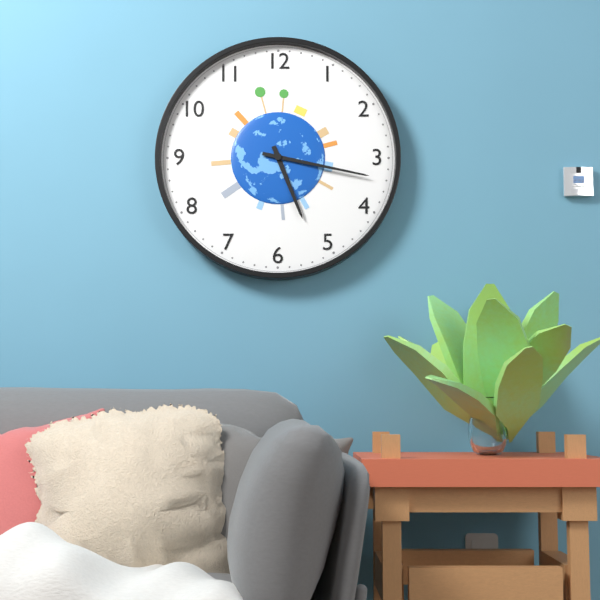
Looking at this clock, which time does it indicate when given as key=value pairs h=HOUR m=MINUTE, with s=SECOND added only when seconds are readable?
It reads h=5 m=17
